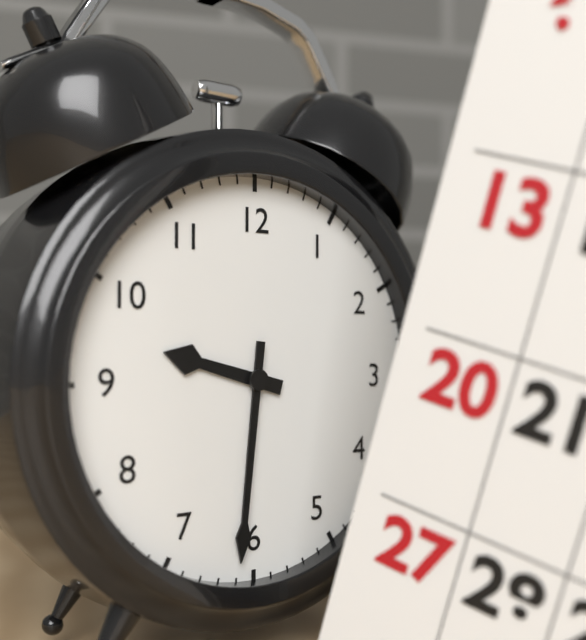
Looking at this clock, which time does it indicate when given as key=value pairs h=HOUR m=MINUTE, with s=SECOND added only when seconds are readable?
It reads h=9 m=31
